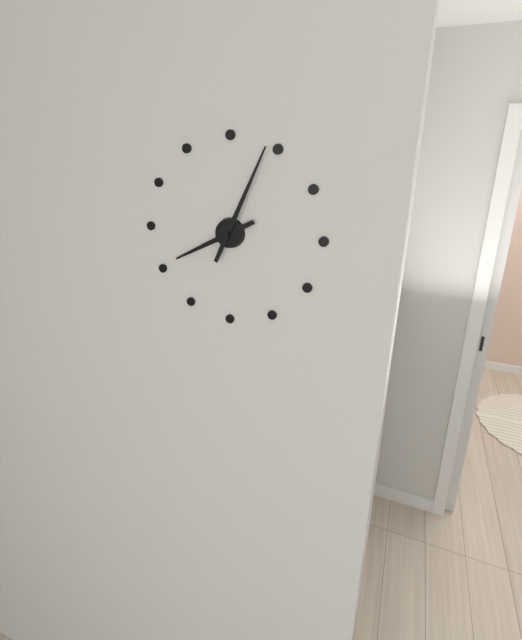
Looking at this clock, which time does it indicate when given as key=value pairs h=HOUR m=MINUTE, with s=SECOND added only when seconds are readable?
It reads h=8 m=4
